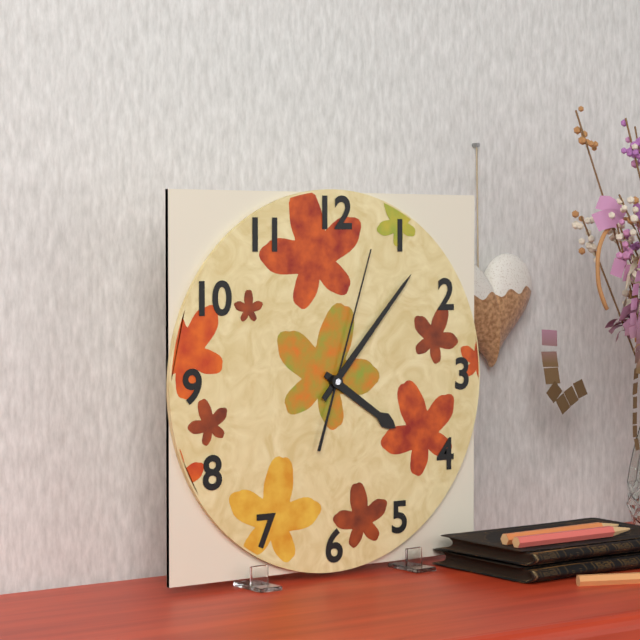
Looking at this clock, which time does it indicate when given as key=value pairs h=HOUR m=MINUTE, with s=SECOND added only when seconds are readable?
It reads h=4 m=7 s=3
